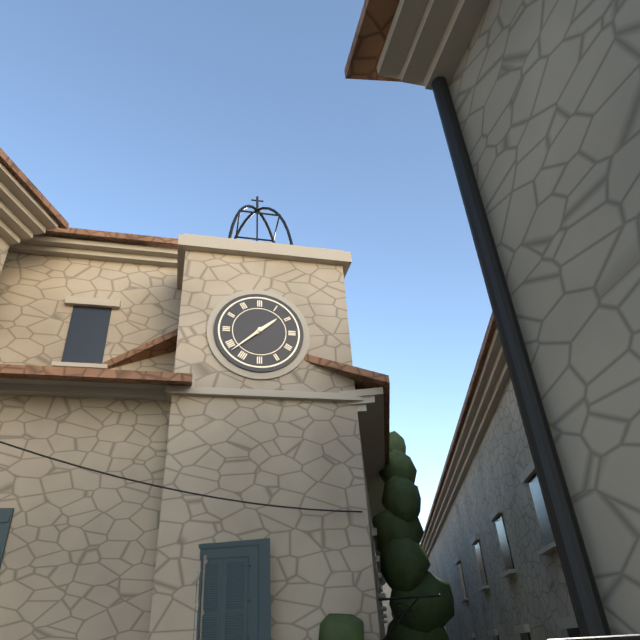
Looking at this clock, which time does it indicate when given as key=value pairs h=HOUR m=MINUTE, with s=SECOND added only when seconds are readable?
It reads h=1 m=38
